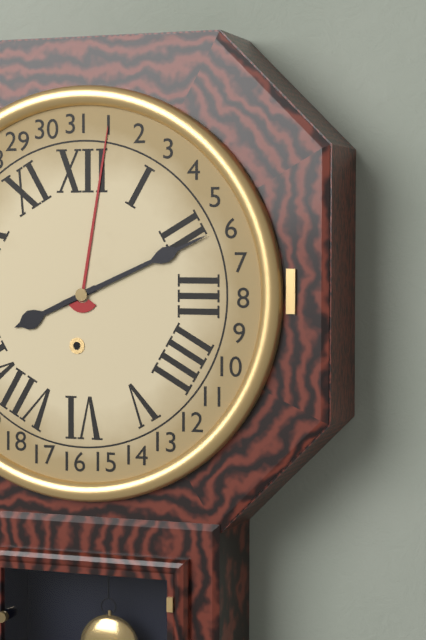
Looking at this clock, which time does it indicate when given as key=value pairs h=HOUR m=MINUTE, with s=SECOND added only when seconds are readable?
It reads h=8 m=11
